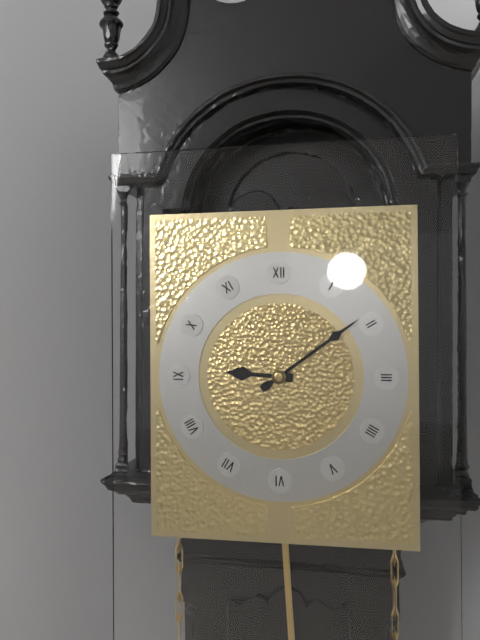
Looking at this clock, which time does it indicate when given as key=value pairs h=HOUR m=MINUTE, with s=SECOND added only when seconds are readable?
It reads h=9 m=9
